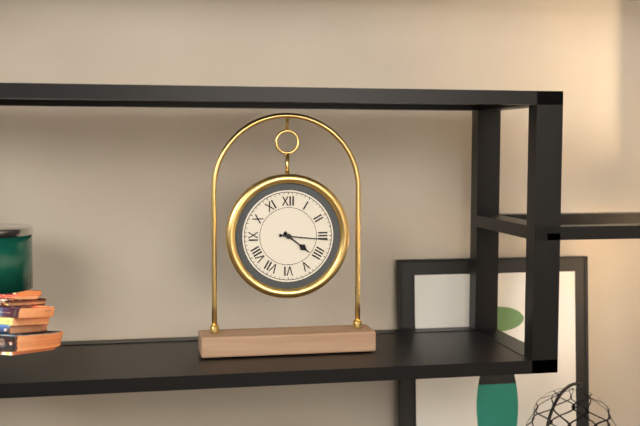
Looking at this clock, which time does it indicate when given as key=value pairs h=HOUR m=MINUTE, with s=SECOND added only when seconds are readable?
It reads h=4 m=16
